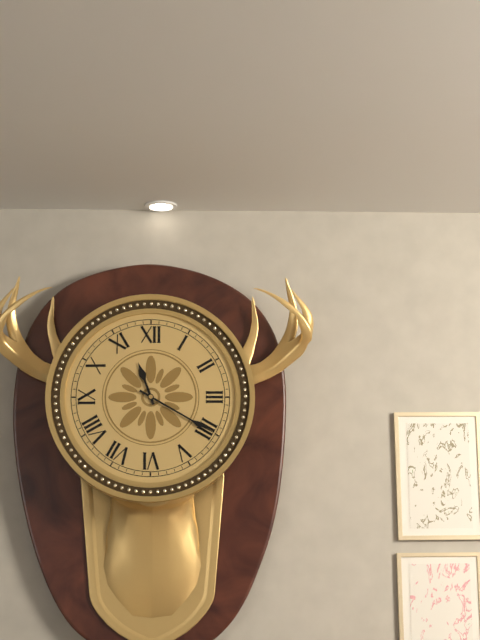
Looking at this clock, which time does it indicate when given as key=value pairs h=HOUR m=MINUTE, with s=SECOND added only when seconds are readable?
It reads h=11 m=20
